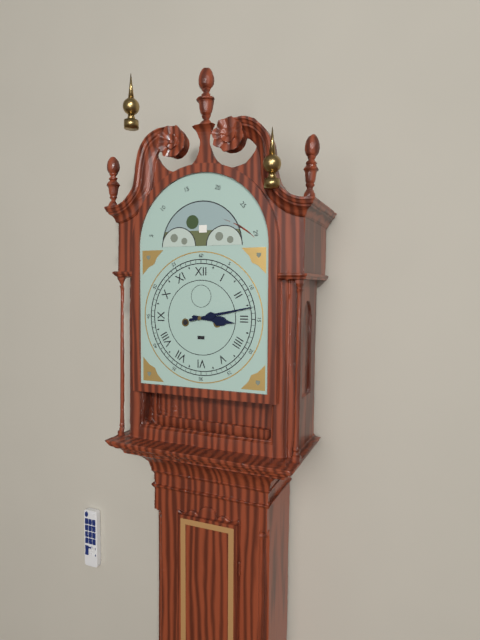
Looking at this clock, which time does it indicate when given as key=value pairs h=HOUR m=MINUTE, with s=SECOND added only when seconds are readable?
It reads h=3 m=13
